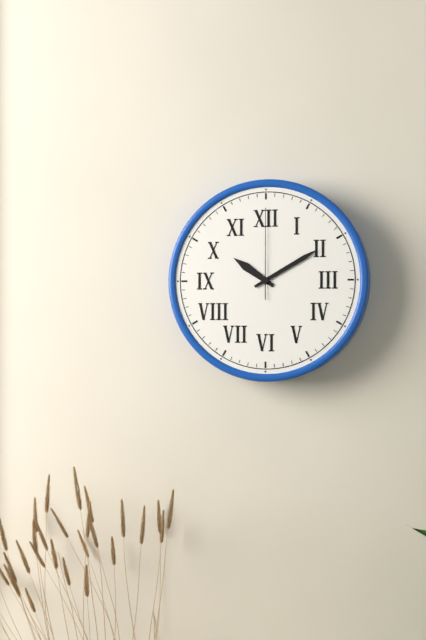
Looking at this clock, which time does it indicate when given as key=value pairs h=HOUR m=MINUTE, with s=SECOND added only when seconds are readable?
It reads h=10 m=10 s=0
